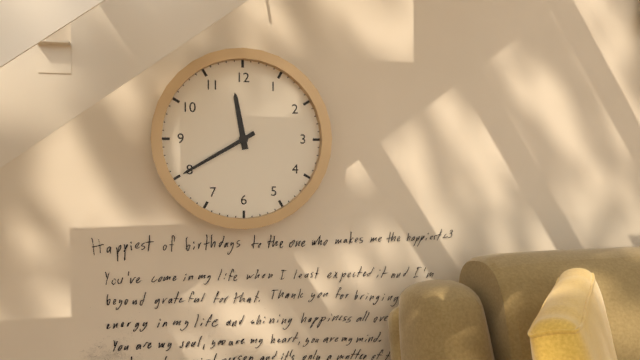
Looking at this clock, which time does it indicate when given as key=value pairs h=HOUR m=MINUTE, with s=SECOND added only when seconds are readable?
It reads h=11 m=40
